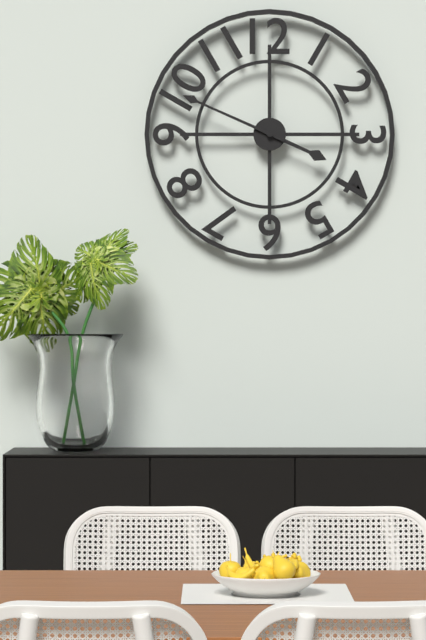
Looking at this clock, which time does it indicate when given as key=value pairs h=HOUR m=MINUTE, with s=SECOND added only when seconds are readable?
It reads h=3 m=49
